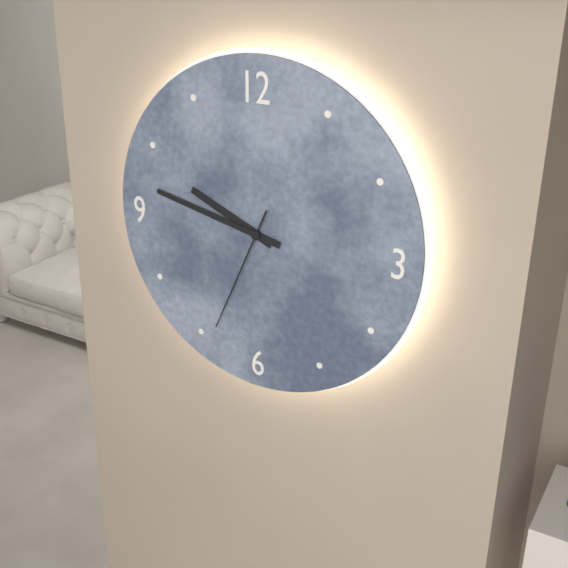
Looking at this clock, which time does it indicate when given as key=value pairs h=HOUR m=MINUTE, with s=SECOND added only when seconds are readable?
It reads h=9 m=47 s=34
